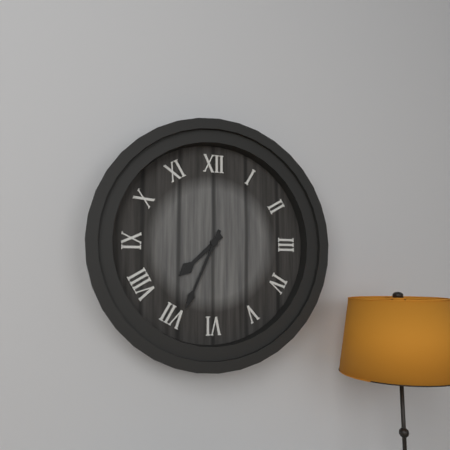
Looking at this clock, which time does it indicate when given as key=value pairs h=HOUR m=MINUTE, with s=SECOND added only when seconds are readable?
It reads h=7 m=34
